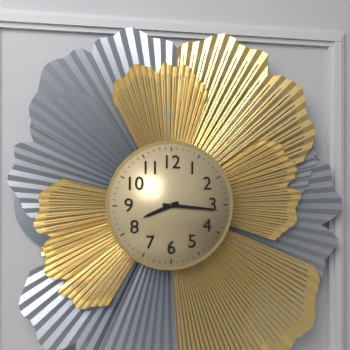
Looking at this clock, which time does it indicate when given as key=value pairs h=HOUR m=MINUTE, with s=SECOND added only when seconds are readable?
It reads h=8 m=16
